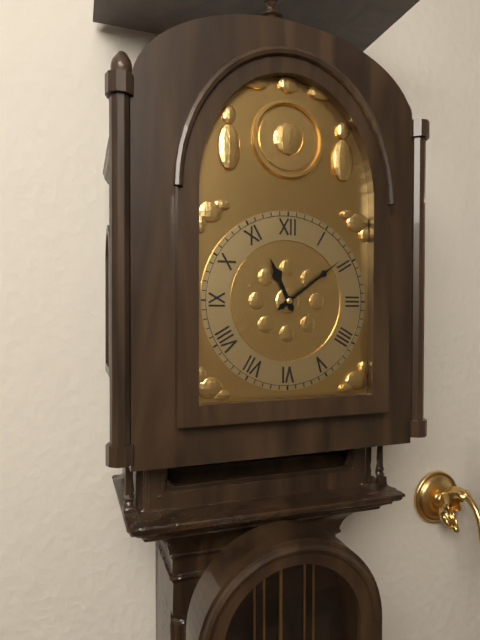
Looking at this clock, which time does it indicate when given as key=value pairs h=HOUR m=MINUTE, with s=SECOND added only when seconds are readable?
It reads h=11 m=9
